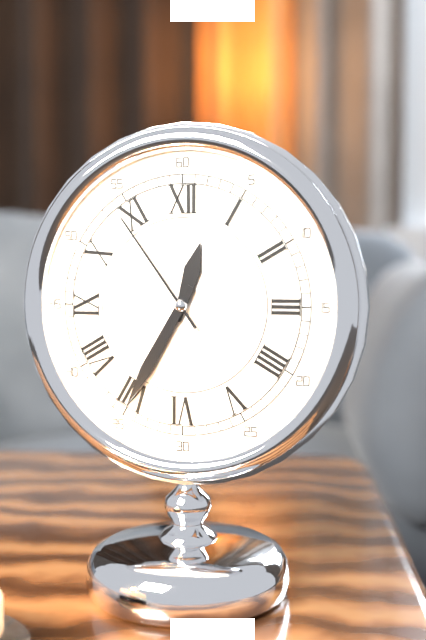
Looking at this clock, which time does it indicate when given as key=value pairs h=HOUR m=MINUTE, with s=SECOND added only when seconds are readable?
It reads h=12 m=35 s=54
